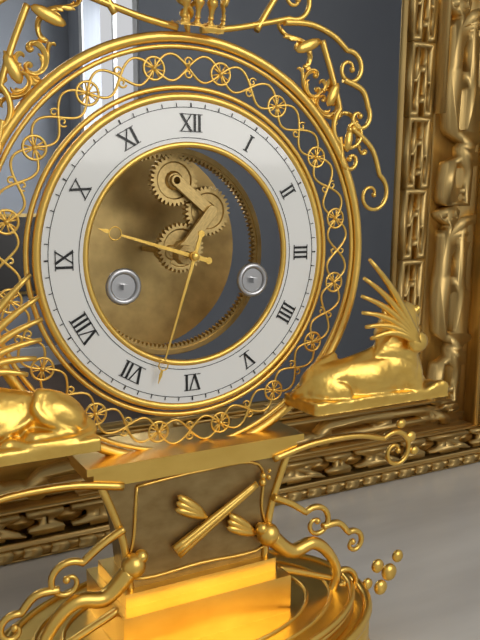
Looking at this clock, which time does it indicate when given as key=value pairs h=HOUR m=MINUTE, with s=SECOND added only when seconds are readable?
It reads h=9 m=33
